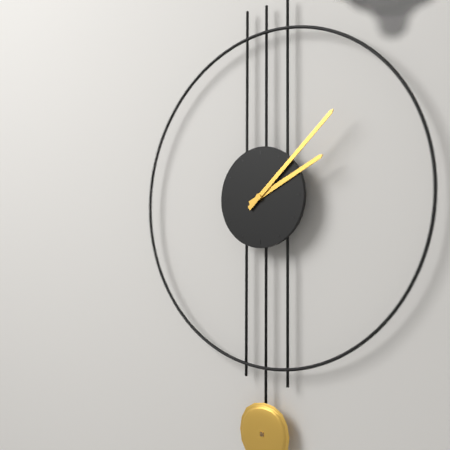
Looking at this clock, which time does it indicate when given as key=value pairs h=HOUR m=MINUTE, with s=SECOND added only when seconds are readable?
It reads h=2 m=8
